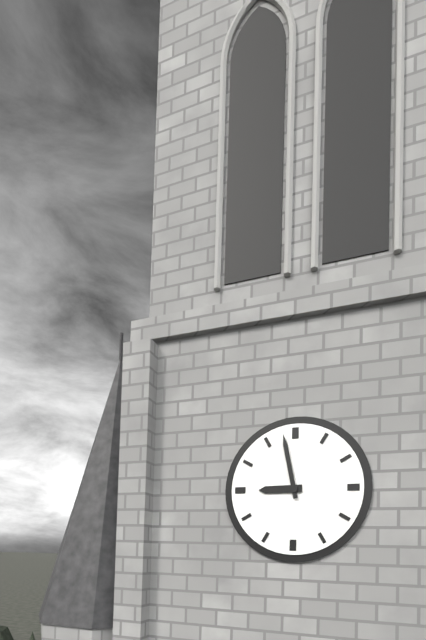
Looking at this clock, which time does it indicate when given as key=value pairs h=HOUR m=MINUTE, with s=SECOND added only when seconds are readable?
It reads h=8 m=58
